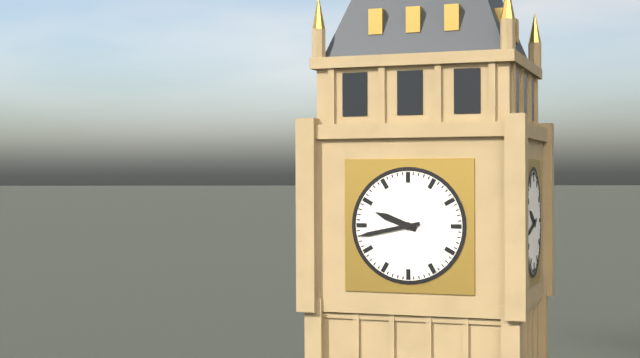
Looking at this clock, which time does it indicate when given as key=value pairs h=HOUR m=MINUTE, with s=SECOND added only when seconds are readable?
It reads h=9 m=43
